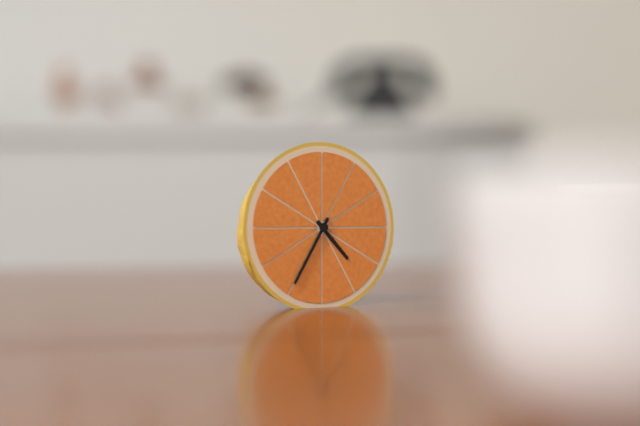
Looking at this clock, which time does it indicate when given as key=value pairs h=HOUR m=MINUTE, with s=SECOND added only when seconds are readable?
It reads h=4 m=35
